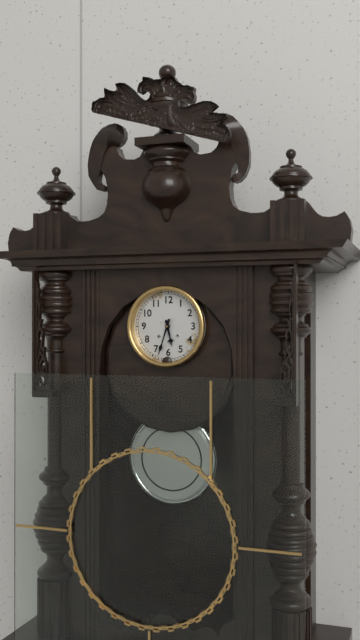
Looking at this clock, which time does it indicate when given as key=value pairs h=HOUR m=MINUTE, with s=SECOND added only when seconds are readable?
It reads h=5 m=33
